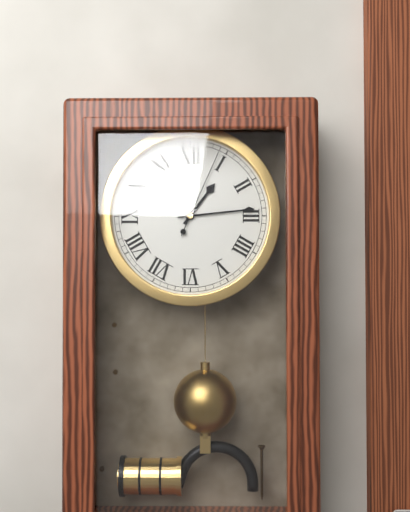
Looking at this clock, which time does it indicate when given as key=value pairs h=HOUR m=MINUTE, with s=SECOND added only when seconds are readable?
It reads h=1 m=14 s=4
